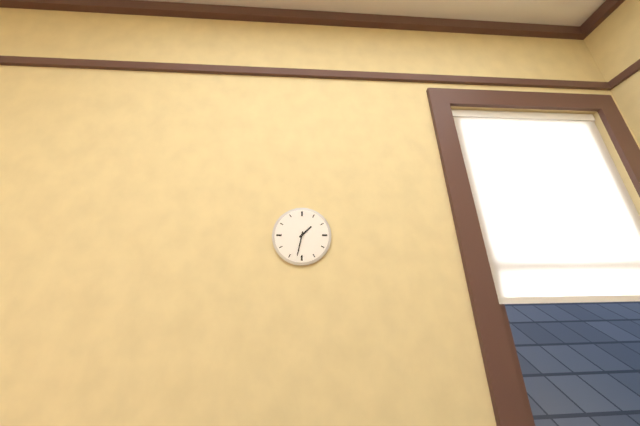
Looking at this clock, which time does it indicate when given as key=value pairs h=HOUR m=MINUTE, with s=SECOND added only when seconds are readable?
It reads h=1 m=32
